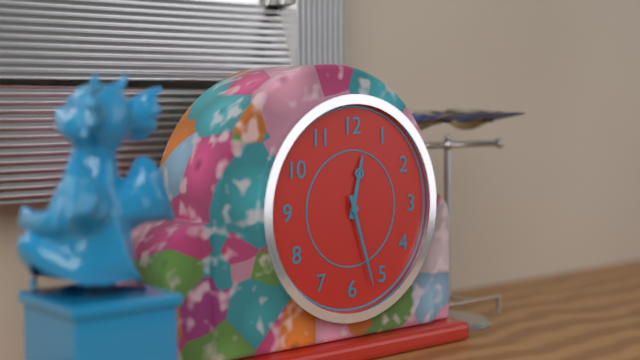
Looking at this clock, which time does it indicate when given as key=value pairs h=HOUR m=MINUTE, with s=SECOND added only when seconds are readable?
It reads h=12 m=27
